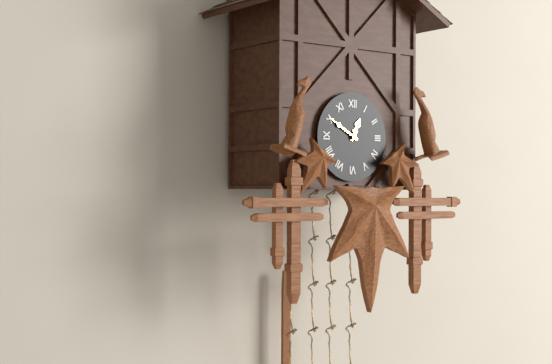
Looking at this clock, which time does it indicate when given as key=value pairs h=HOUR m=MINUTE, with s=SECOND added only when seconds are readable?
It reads h=12 m=50
